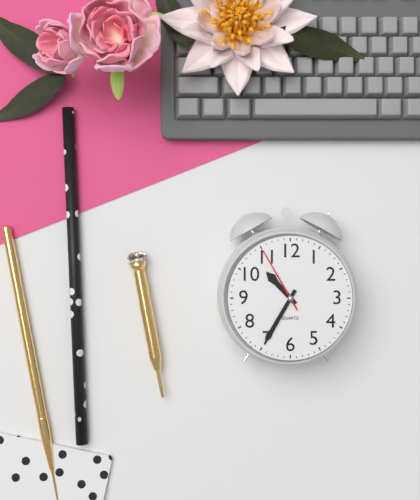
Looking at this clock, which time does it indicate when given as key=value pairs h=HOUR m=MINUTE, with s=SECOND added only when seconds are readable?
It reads h=10 m=35 s=55
